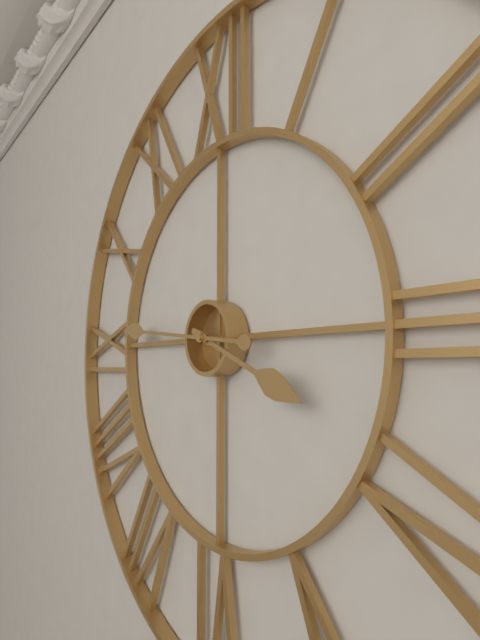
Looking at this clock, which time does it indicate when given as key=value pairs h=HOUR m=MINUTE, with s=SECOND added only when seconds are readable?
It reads h=3 m=46
